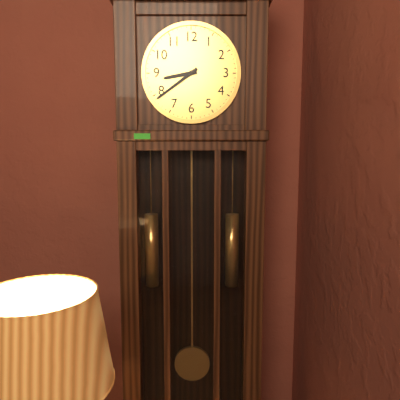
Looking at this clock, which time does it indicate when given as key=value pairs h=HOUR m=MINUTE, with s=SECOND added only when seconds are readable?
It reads h=8 m=39
